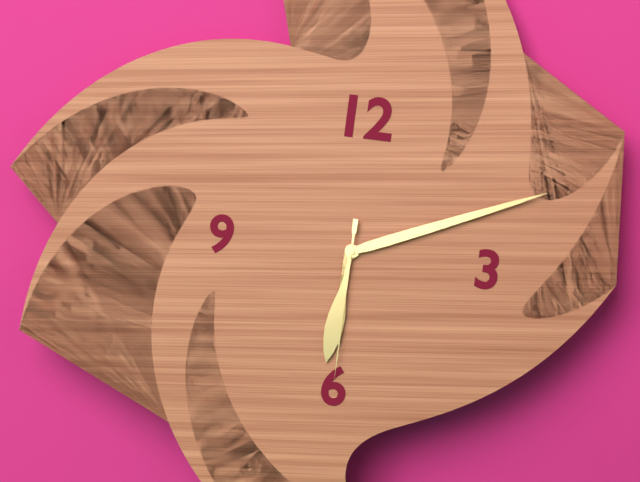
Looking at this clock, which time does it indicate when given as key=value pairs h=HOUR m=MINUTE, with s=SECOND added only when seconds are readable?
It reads h=6 m=11 s=30
